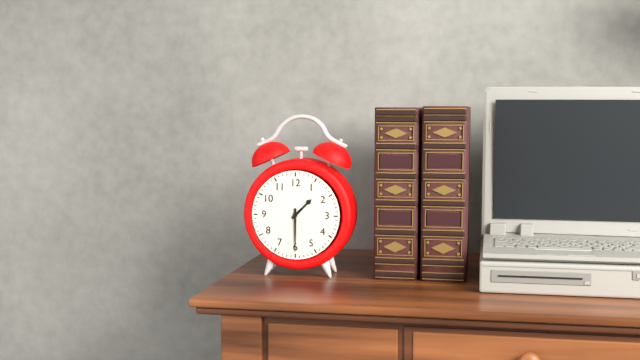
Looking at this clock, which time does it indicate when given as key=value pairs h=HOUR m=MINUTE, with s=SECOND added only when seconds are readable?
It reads h=1 m=30
